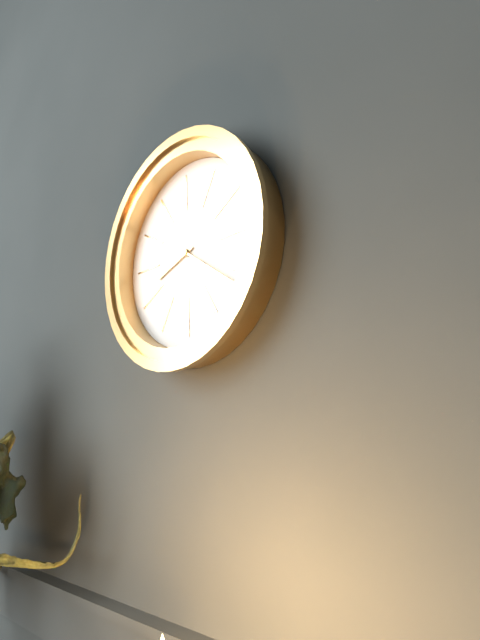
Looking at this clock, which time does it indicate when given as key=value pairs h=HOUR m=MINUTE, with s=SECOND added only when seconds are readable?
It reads h=8 m=21
